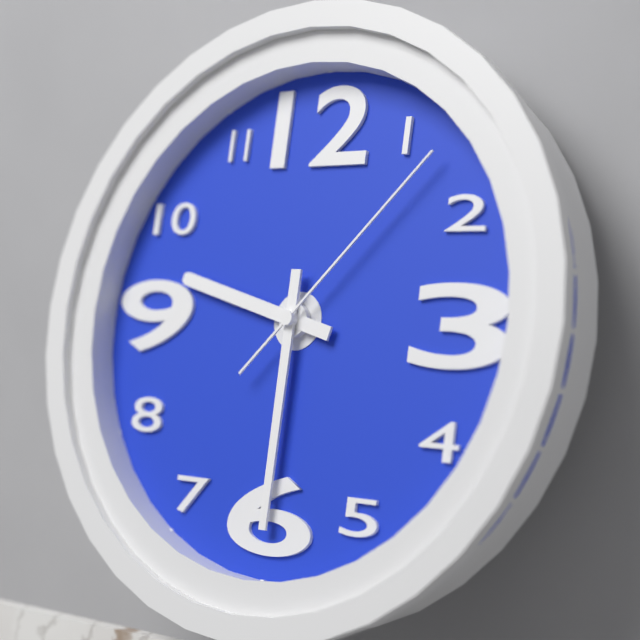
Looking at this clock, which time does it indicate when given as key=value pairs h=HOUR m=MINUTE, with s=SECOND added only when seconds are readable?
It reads h=9 m=30 s=7
